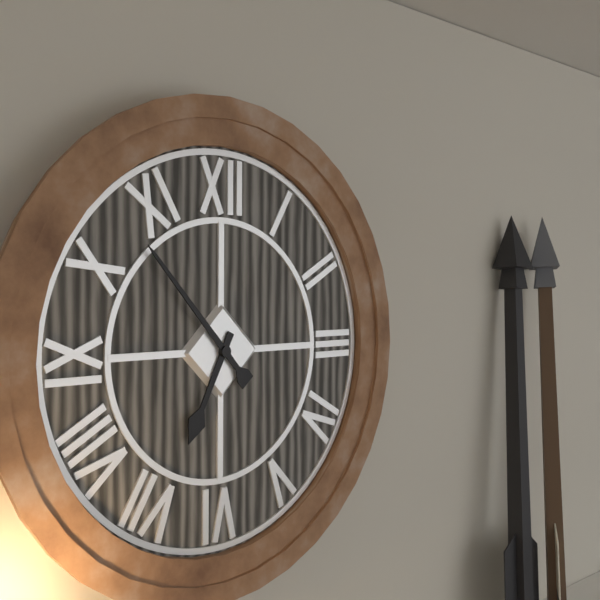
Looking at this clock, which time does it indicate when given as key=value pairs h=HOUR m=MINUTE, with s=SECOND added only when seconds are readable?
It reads h=6 m=53
